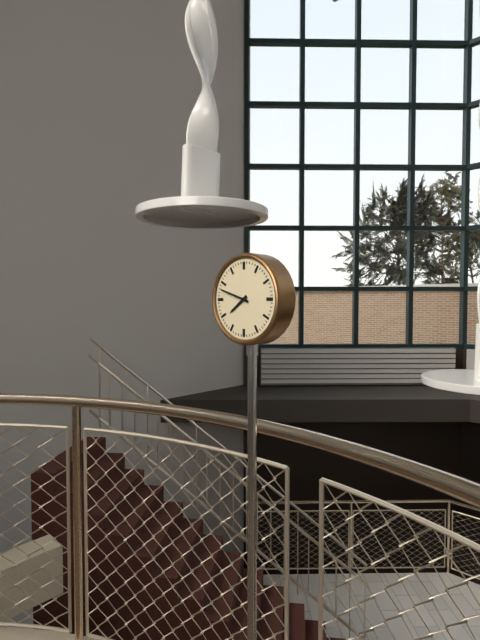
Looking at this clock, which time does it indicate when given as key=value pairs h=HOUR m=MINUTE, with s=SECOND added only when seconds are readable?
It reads h=7 m=48
